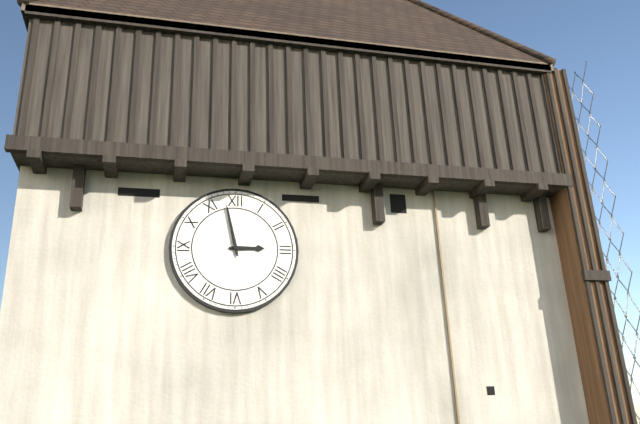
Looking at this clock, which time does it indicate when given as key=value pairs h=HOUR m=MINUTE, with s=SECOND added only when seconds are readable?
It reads h=2 m=58
